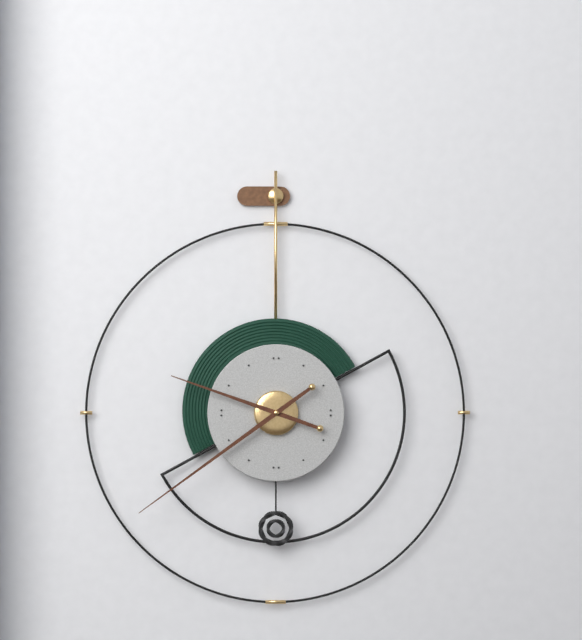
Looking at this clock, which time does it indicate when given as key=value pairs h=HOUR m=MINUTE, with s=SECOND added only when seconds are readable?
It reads h=9 m=39
